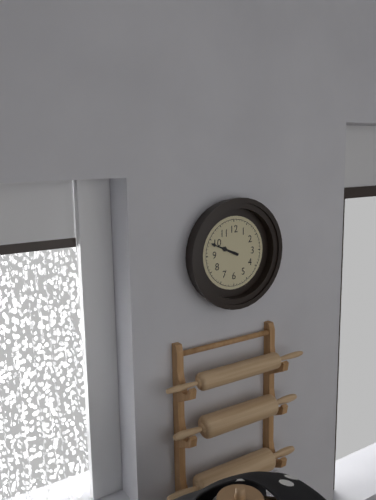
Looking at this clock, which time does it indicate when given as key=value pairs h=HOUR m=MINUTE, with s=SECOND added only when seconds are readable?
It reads h=9 m=49
